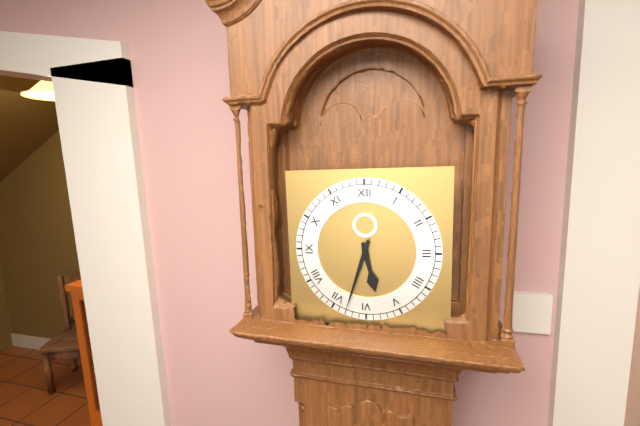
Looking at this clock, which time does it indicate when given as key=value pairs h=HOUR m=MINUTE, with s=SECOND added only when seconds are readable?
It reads h=5 m=33
